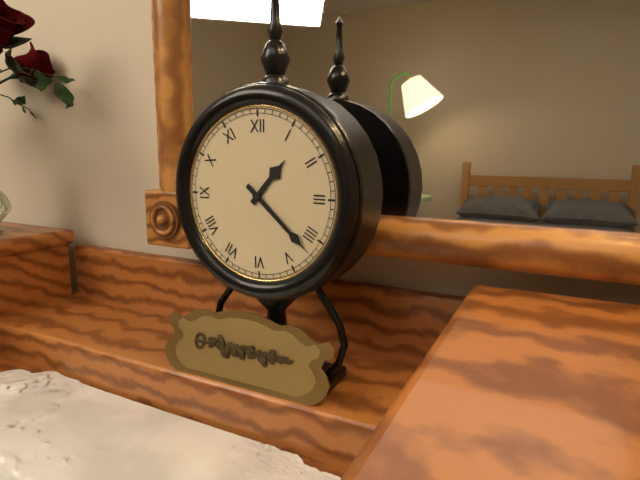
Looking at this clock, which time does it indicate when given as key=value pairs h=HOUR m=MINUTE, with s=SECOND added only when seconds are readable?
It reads h=1 m=22
